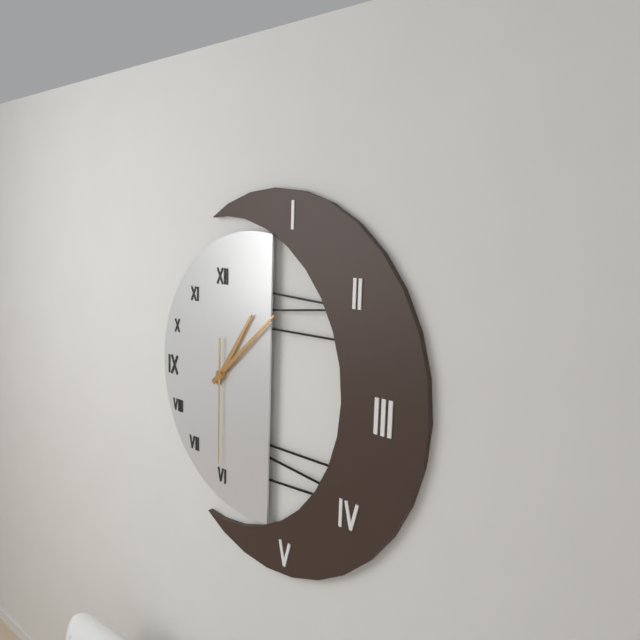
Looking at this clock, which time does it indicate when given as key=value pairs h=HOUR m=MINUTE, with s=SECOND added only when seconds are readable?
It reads h=1 m=8 s=30
